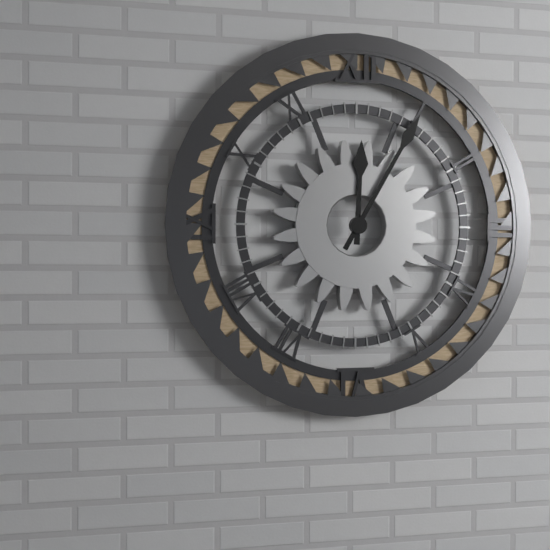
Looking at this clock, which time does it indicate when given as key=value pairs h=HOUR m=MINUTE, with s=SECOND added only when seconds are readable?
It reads h=12 m=5
